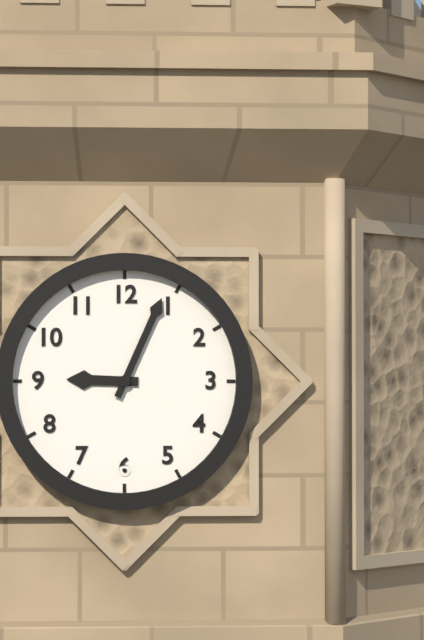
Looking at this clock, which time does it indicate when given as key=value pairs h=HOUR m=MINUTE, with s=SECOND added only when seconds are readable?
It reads h=9 m=4
